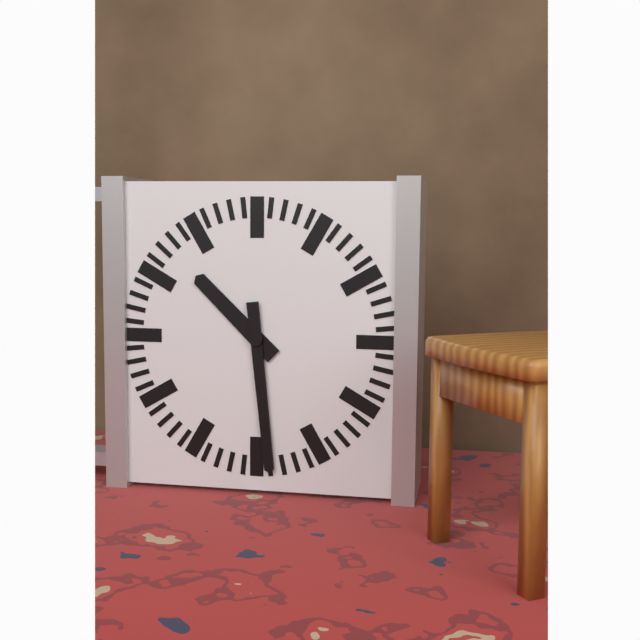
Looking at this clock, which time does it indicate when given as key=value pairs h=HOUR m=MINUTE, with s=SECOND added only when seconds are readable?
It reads h=10 m=29
